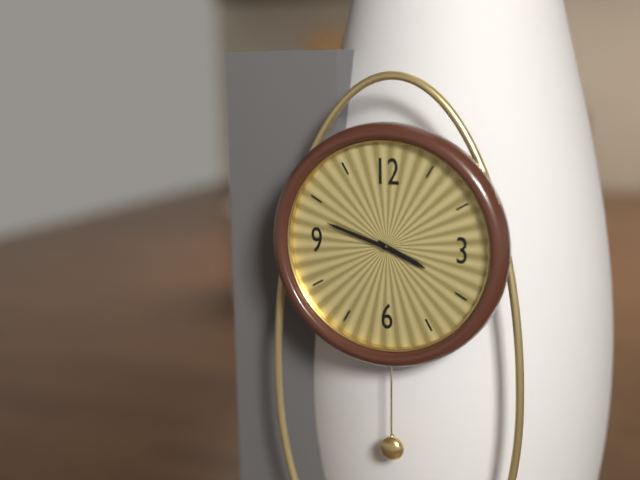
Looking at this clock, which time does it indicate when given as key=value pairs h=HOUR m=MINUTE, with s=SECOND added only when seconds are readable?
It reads h=3 m=48
